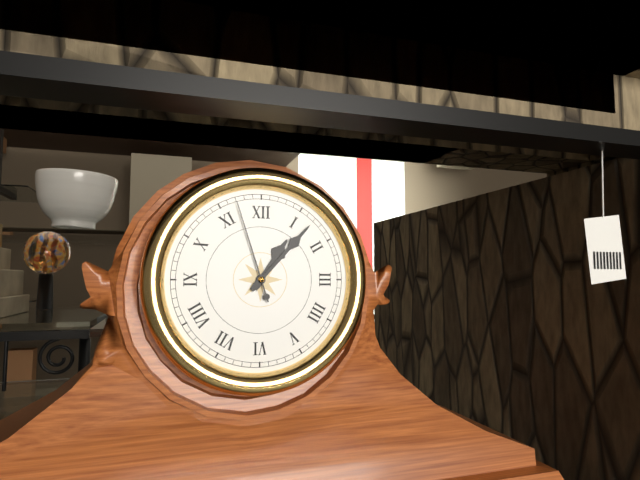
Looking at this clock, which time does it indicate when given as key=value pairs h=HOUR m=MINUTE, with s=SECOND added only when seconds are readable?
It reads h=1 m=7 s=57
